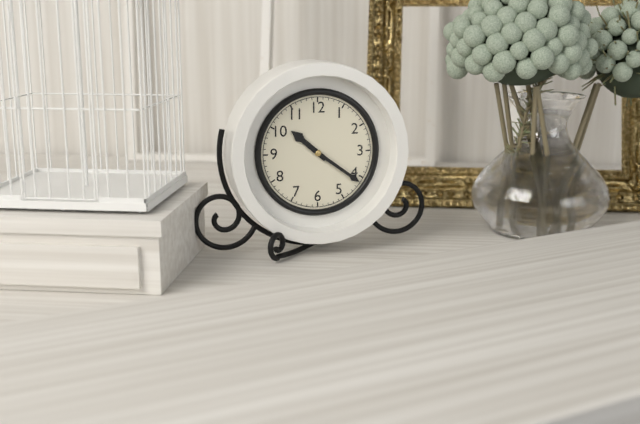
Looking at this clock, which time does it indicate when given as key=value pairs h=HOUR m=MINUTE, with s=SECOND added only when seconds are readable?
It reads h=10 m=21
